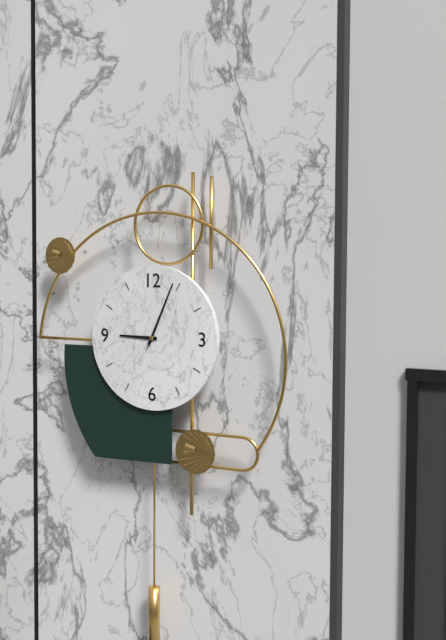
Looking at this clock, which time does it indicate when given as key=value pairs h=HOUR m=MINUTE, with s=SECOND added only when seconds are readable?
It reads h=9 m=4 s=4
